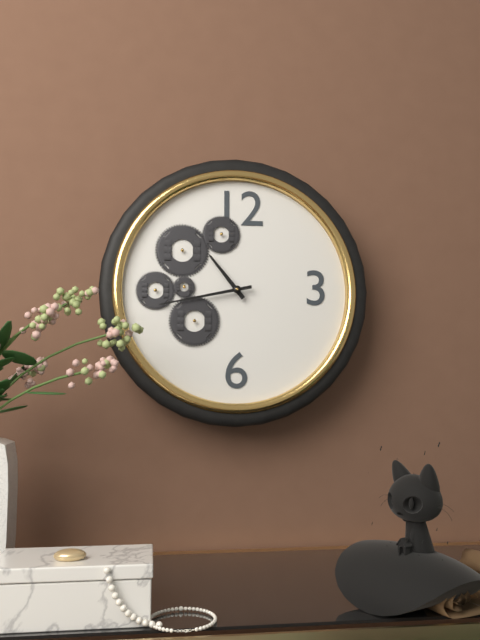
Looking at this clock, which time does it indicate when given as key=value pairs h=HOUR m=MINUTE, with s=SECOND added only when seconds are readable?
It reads h=10 m=43
